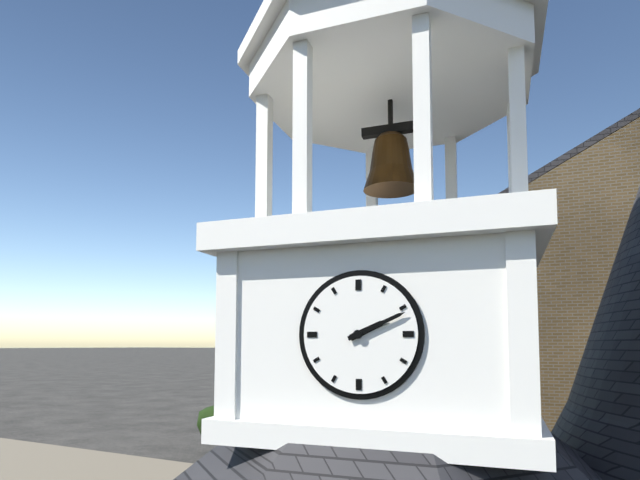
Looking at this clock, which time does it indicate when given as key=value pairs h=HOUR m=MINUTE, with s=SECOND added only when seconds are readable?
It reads h=2 m=11
